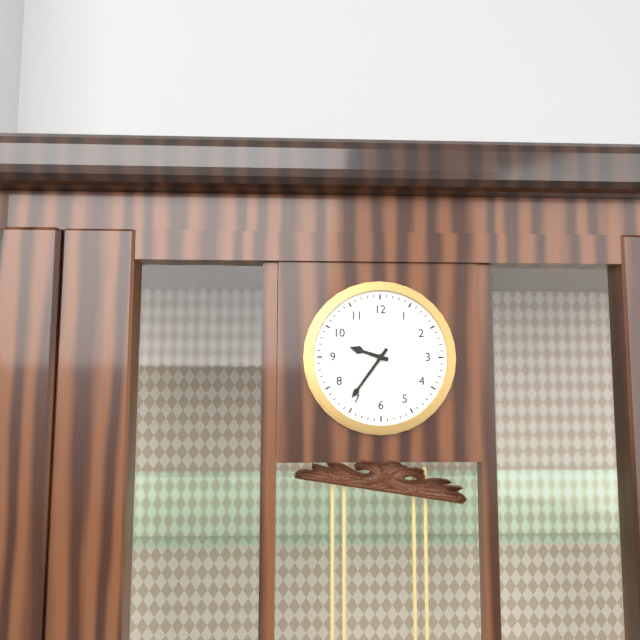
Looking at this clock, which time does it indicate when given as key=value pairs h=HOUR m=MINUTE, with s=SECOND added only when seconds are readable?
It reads h=9 m=36
